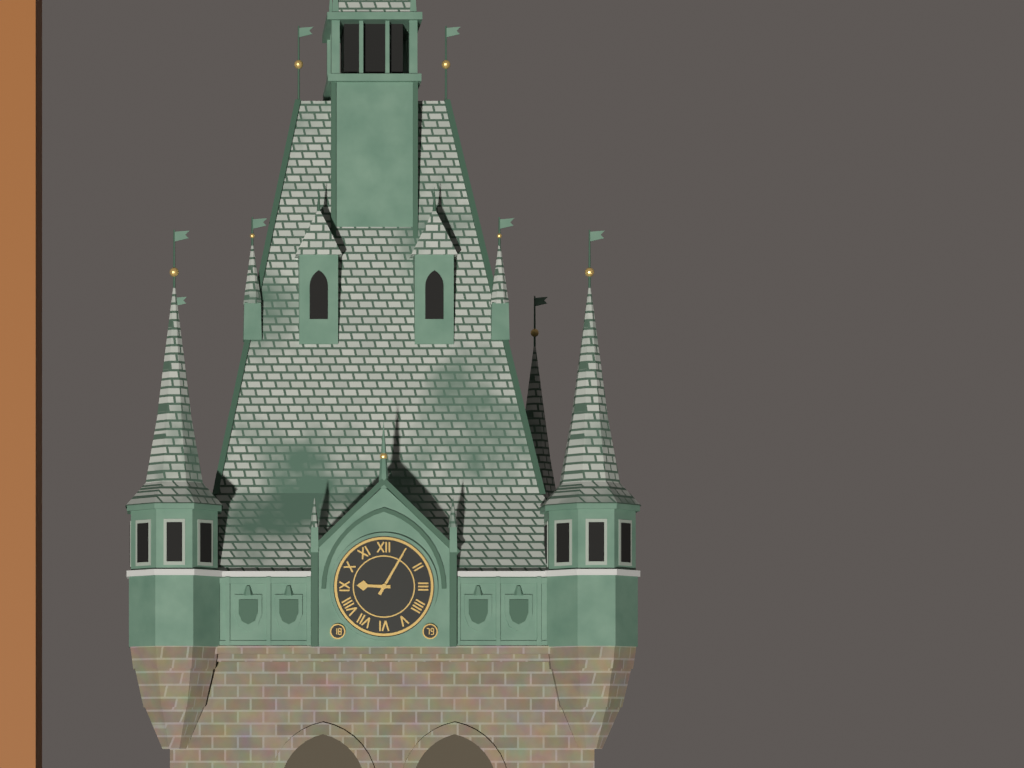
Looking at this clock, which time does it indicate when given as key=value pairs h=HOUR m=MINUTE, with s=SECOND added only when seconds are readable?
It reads h=9 m=5
